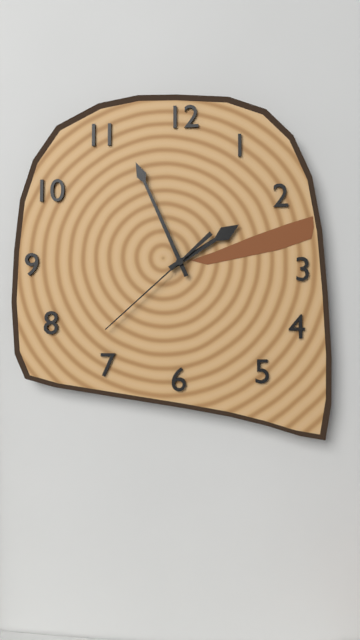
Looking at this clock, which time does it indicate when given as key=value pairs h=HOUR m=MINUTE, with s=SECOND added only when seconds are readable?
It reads h=1 m=56 s=38
